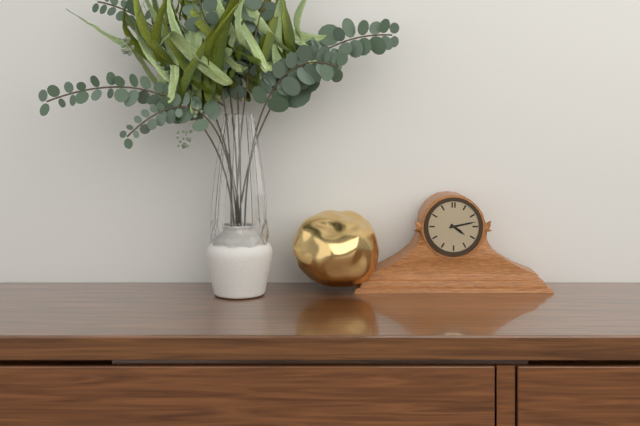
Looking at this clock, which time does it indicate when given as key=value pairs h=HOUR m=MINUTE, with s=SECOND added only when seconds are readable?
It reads h=4 m=13
